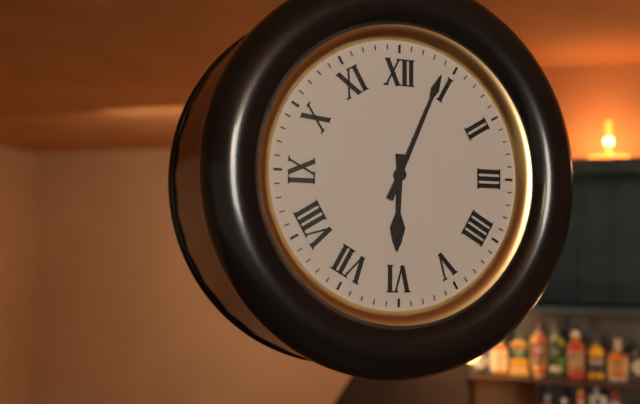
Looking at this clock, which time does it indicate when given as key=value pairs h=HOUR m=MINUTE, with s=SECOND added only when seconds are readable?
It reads h=6 m=4
